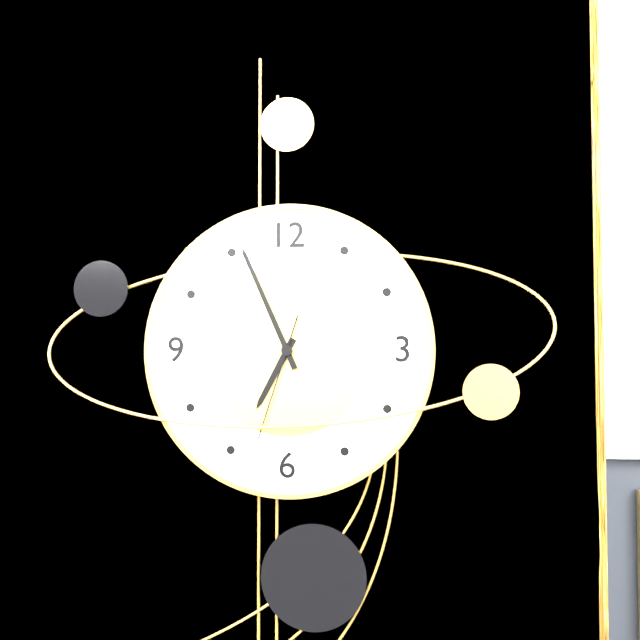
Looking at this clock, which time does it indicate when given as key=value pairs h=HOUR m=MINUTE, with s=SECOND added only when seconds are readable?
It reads h=6 m=56 s=33
